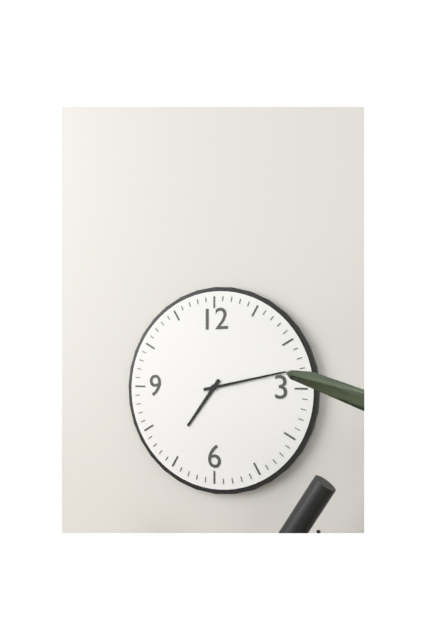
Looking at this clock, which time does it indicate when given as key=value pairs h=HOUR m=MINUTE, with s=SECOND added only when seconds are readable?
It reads h=7 m=13
